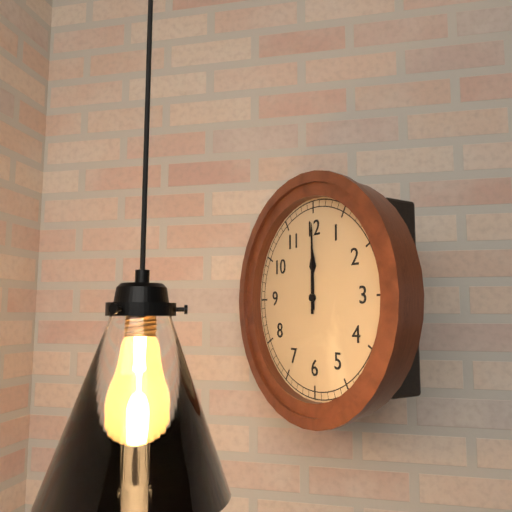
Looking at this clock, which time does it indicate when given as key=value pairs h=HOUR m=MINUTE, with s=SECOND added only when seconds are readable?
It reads h=12 m=0
